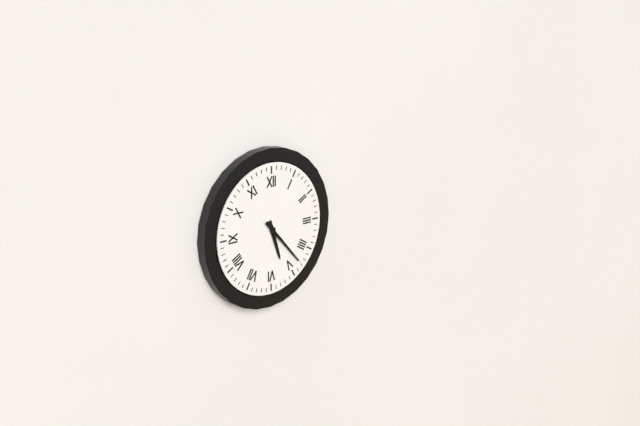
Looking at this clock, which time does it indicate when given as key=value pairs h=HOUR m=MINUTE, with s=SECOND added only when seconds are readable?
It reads h=5 m=23
